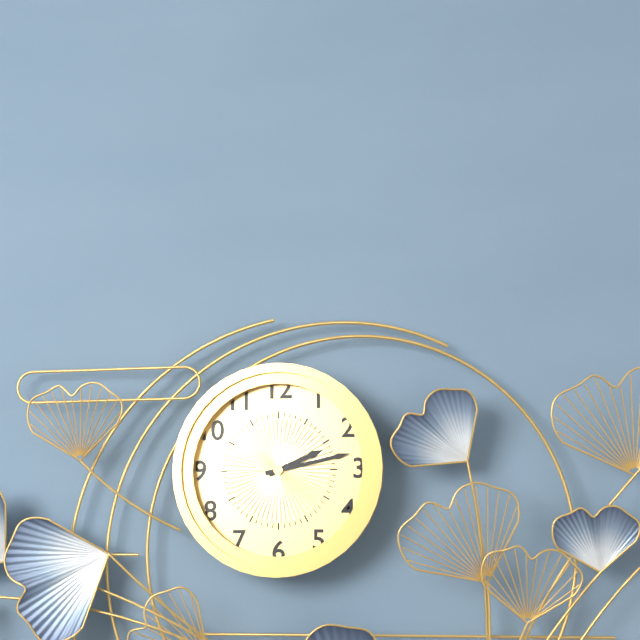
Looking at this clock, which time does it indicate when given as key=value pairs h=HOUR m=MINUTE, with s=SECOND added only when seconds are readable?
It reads h=2 m=13
